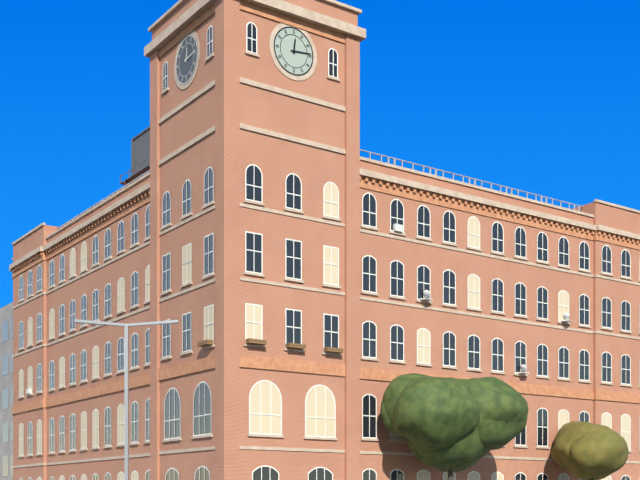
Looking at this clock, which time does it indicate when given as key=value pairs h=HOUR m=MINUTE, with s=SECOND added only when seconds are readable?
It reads h=12 m=14
